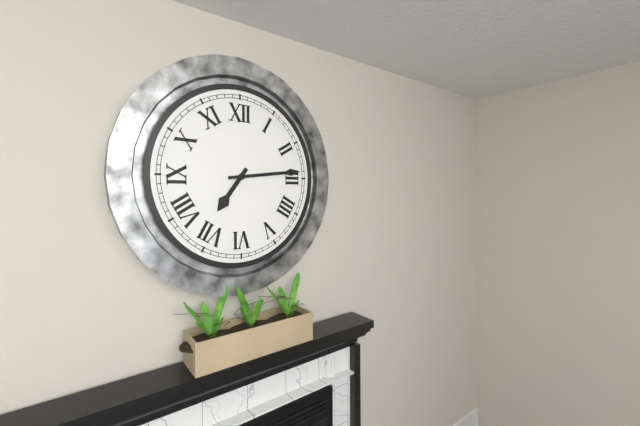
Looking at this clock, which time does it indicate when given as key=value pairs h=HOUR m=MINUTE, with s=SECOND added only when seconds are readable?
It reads h=7 m=14
